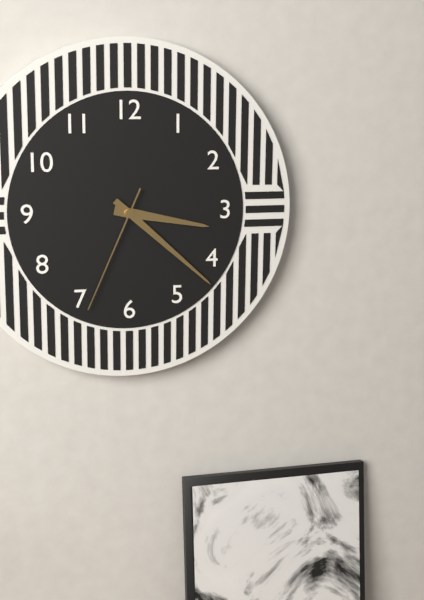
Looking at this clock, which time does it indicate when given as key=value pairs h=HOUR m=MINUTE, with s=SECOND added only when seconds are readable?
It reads h=3 m=22 s=34
